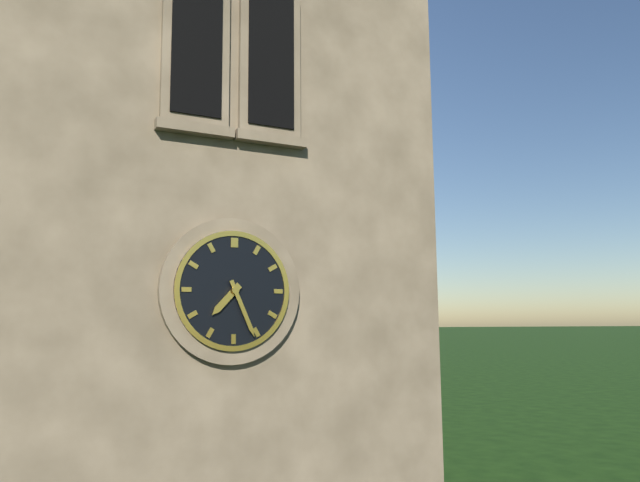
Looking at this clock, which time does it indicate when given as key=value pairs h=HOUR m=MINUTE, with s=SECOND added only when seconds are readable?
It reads h=7 m=26
